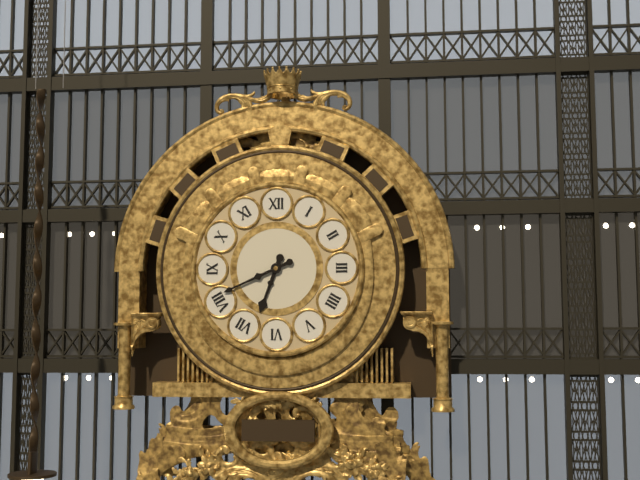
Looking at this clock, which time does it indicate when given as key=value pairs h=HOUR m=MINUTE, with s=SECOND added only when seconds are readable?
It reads h=6 m=41
